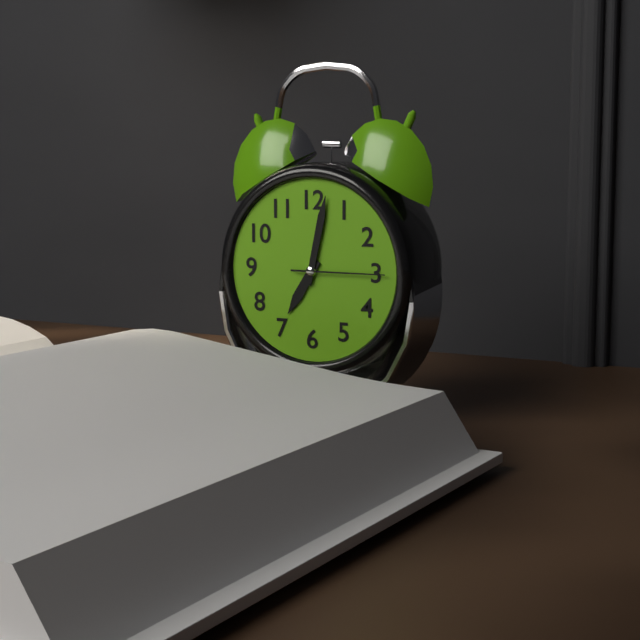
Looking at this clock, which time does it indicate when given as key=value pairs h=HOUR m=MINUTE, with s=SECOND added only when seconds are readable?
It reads h=7 m=2 s=15
